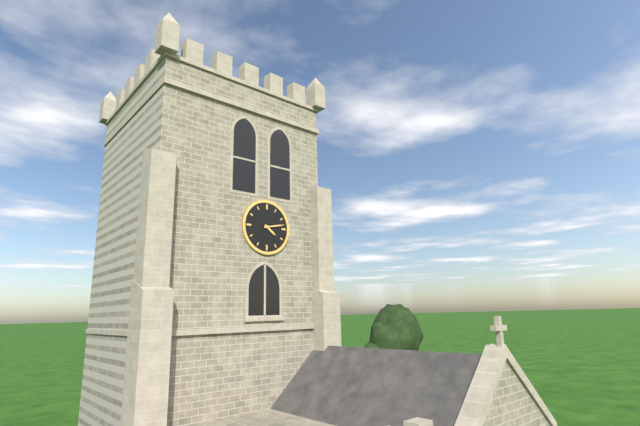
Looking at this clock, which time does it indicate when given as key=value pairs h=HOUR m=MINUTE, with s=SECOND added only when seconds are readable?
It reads h=4 m=13
